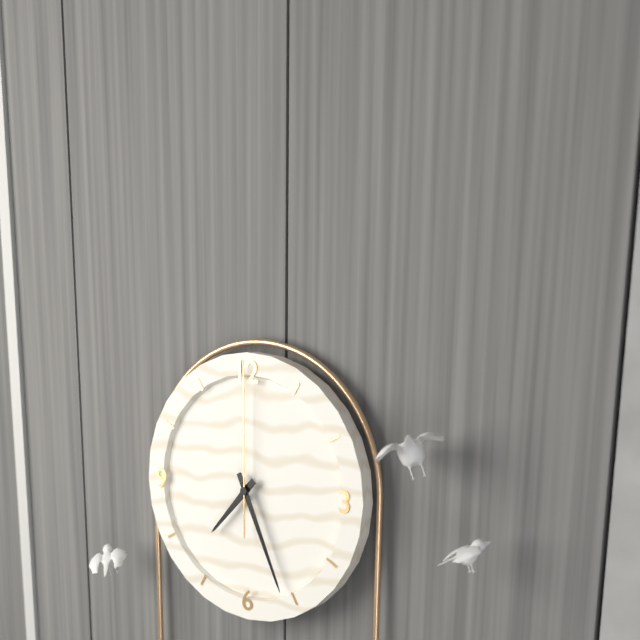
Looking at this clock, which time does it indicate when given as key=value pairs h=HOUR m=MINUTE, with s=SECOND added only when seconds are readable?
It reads h=7 m=26 s=0
